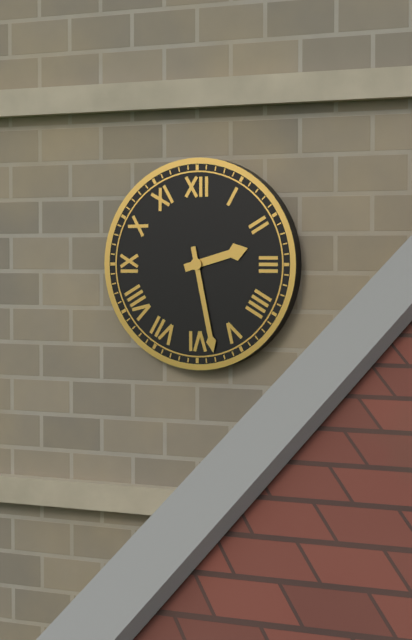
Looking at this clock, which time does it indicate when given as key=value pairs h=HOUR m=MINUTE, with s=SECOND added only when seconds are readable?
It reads h=2 m=28
